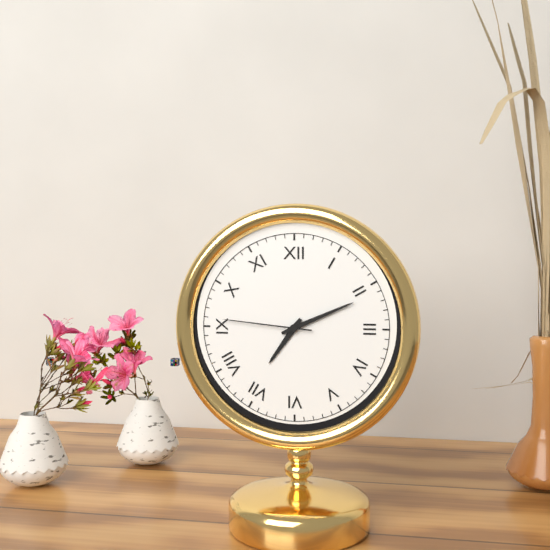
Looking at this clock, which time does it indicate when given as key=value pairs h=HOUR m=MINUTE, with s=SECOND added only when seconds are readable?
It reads h=7 m=11 s=46
